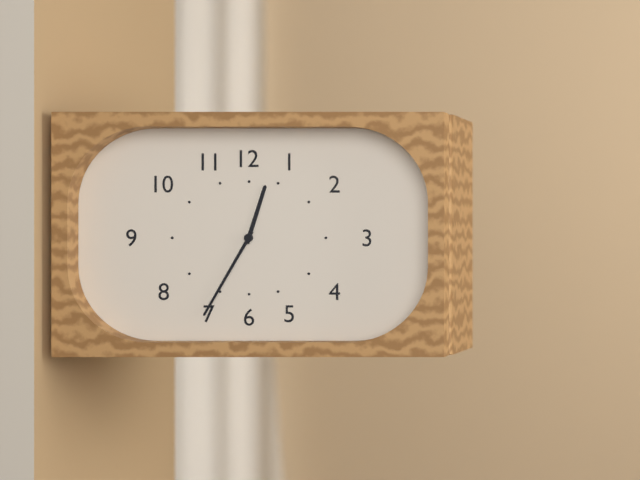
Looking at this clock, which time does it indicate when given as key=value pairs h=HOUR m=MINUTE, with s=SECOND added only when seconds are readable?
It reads h=12 m=35
